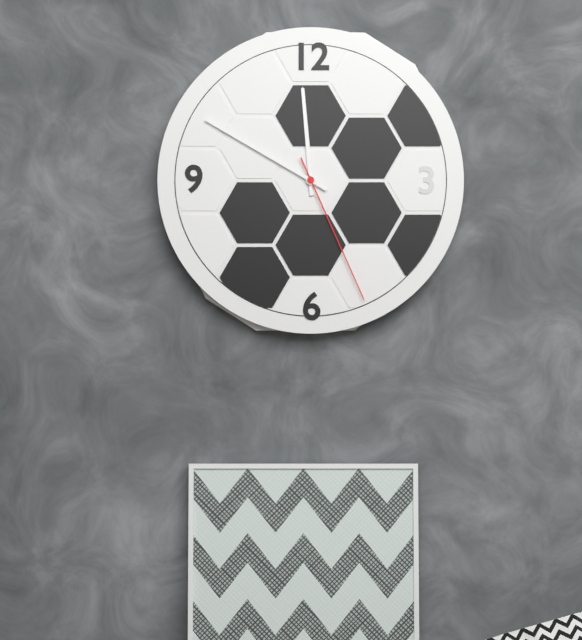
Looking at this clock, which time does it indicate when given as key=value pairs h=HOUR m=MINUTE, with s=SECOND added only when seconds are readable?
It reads h=11 m=50 s=26
